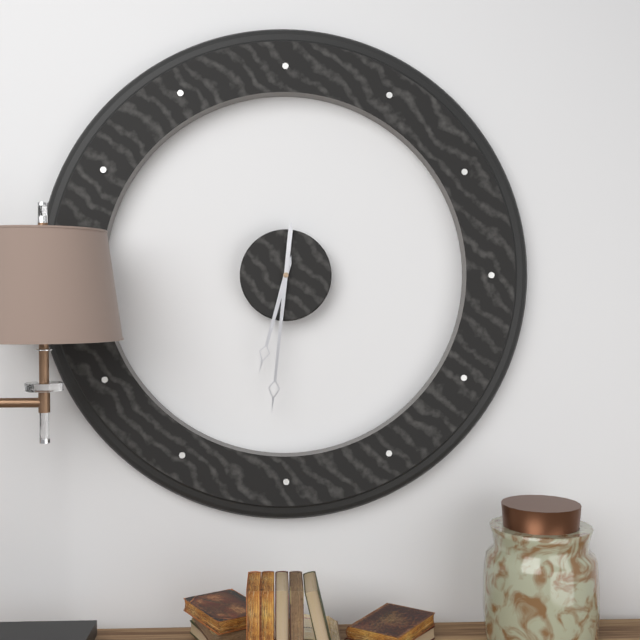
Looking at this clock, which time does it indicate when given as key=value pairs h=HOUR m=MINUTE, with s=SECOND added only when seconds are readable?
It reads h=6 m=31
